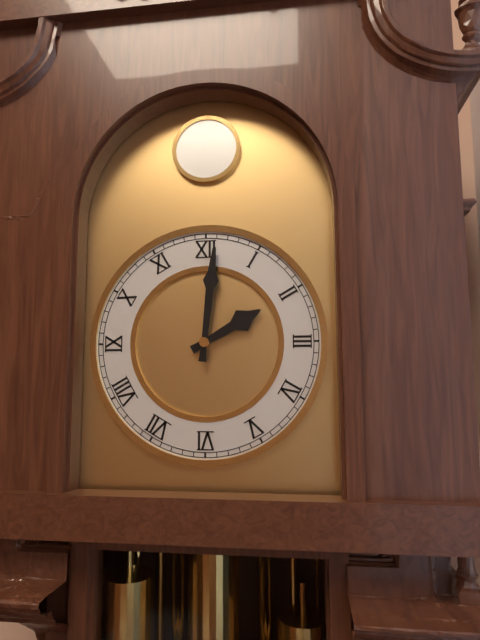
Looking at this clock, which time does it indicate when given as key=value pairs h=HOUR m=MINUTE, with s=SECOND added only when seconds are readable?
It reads h=2 m=1
